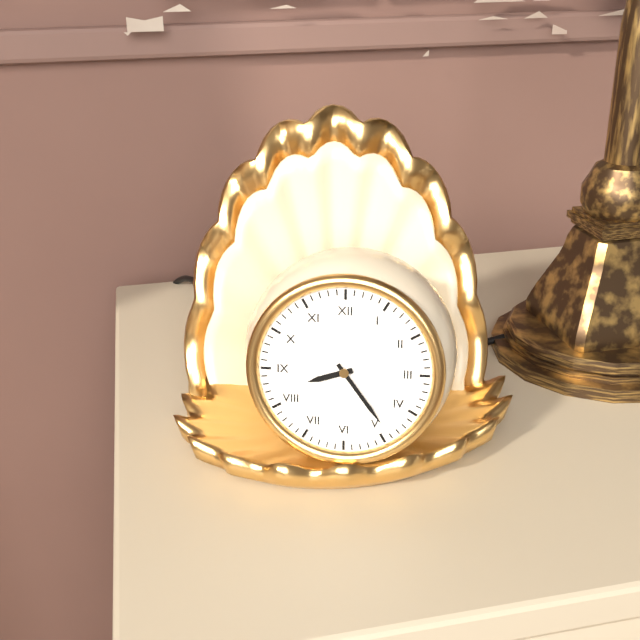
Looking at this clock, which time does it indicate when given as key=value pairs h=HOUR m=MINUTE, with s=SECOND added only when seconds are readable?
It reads h=8 m=24
